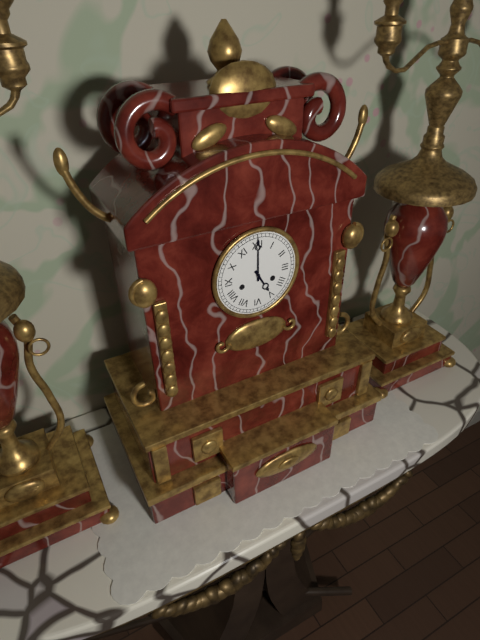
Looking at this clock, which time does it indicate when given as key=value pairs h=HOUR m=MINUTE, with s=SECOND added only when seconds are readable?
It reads h=5 m=0
